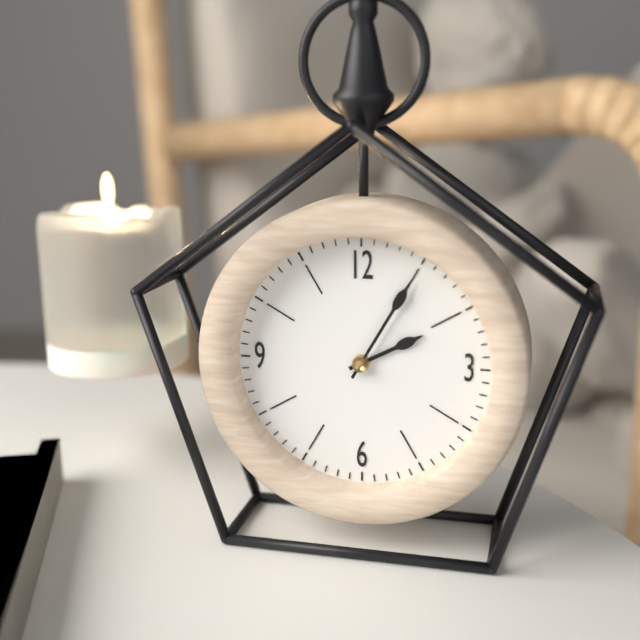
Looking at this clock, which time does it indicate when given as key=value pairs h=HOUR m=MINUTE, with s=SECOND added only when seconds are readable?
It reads h=2 m=5
